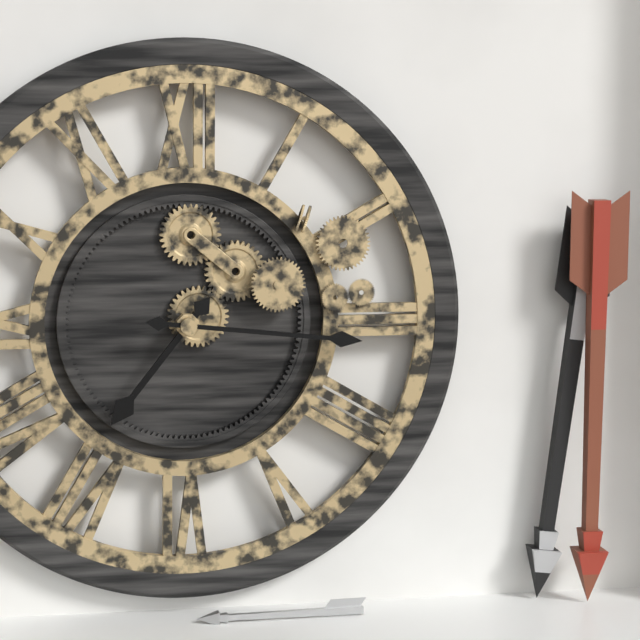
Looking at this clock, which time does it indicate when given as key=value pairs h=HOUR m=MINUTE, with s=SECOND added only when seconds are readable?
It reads h=7 m=16
